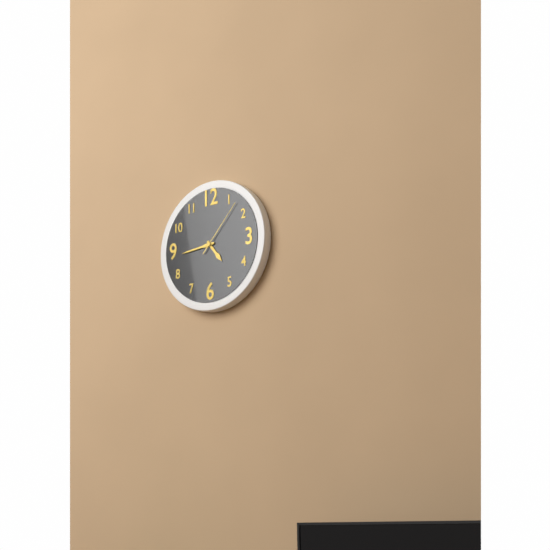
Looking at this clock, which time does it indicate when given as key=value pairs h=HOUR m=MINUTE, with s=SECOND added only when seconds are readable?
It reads h=4 m=44 s=7
